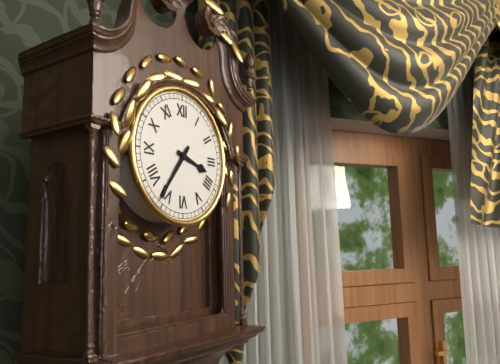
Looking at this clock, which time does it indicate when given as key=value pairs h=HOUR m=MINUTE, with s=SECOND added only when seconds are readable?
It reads h=3 m=36
